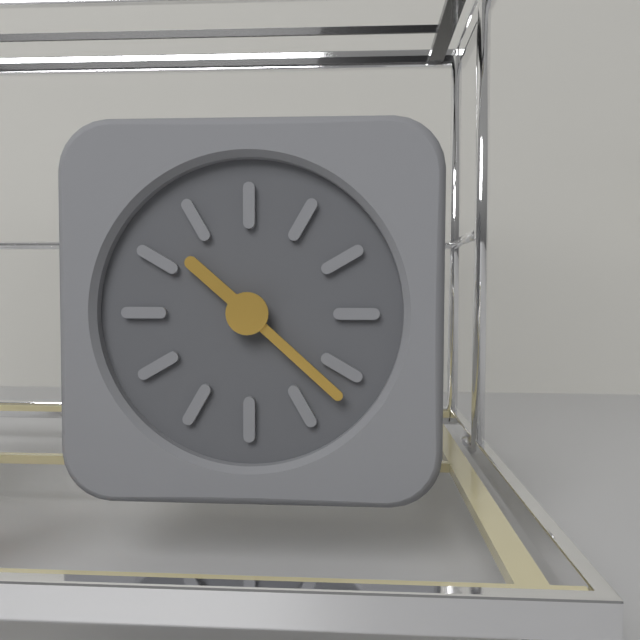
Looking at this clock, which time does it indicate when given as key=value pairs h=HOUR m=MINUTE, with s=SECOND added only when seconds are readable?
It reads h=10 m=22
